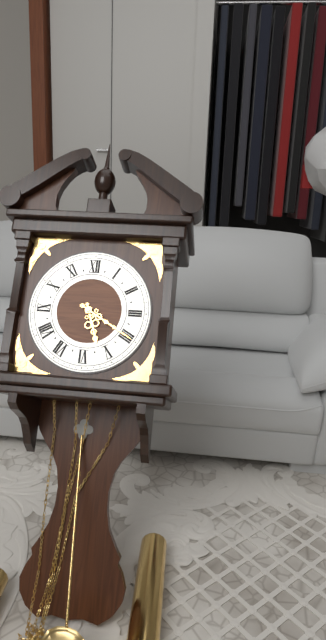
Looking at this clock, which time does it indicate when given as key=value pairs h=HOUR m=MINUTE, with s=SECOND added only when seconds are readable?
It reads h=5 m=20
